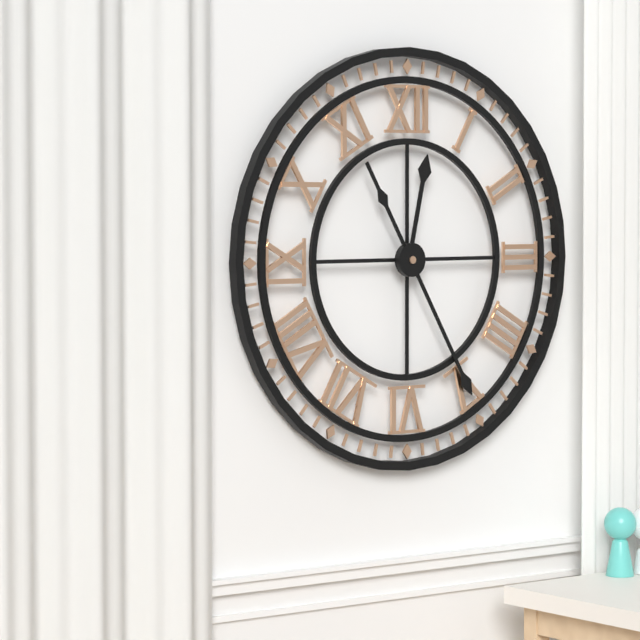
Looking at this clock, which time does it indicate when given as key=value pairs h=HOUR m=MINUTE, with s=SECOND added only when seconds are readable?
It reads h=12 m=25
